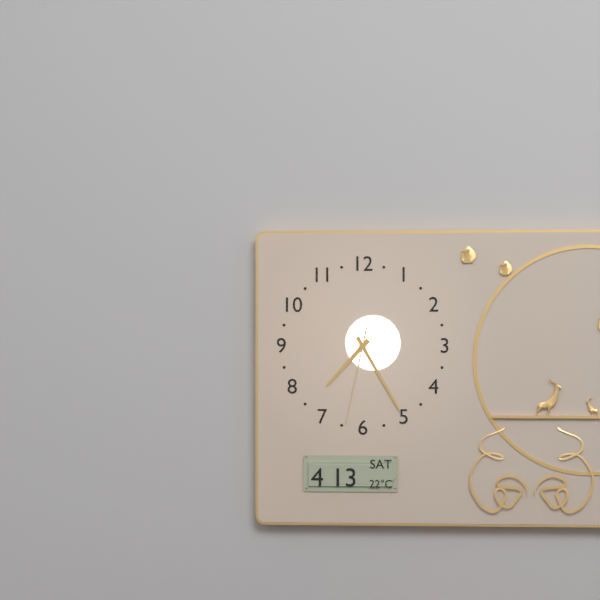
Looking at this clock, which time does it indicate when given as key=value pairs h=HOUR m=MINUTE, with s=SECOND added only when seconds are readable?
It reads h=7 m=25 s=32
